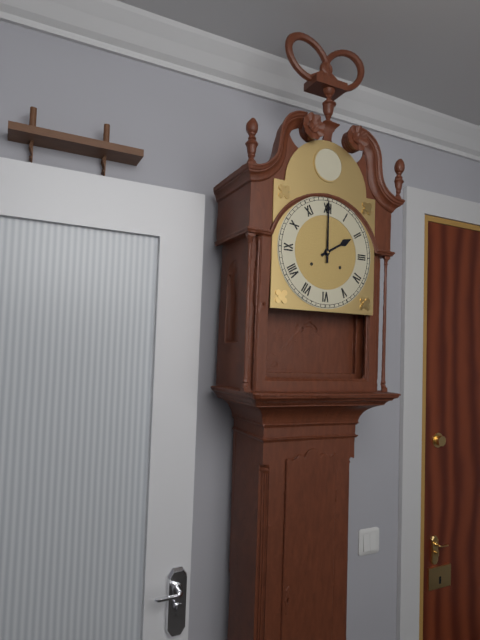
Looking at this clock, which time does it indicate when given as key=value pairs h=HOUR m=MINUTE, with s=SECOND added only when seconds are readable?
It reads h=2 m=0
